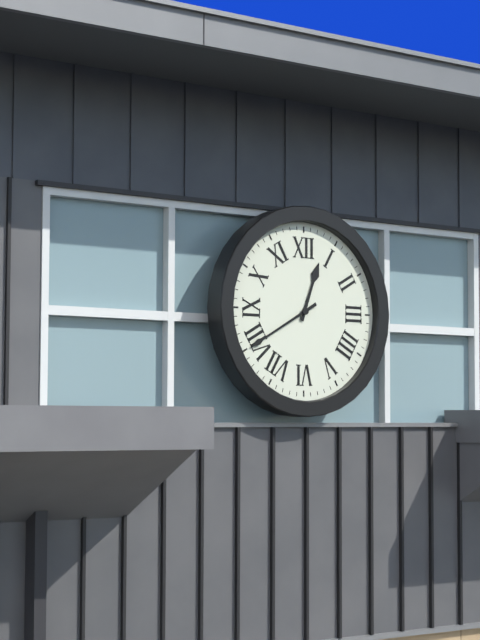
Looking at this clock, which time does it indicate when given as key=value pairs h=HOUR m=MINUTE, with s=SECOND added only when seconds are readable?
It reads h=12 m=40
